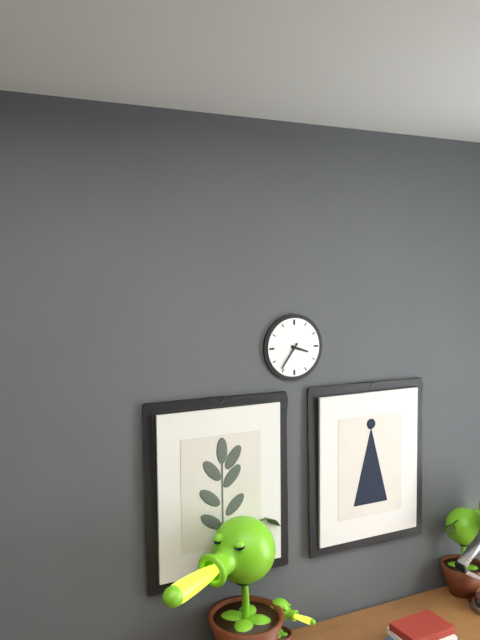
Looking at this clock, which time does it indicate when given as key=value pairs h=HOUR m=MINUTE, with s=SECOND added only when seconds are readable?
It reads h=3 m=36
